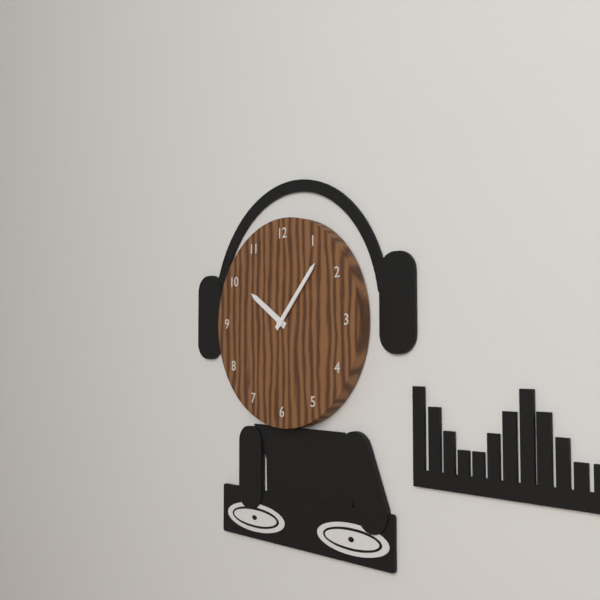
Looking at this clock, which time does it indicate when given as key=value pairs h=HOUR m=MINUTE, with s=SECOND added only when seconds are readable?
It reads h=10 m=7
